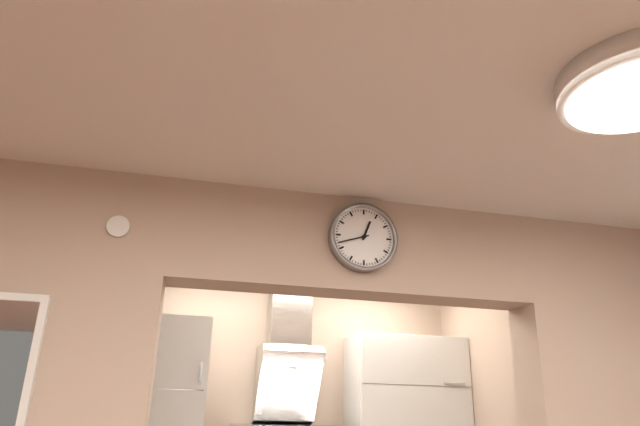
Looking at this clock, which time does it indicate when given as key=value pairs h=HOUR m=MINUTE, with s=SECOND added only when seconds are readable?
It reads h=12 m=42
